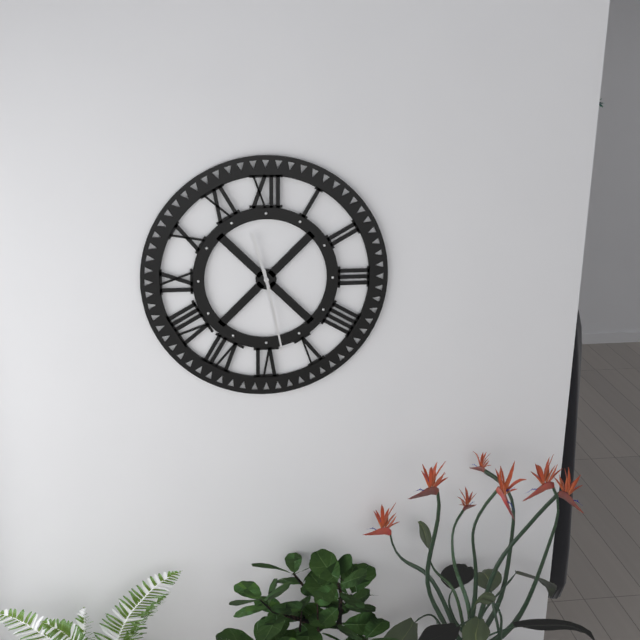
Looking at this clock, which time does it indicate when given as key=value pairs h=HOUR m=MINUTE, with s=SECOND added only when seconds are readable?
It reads h=11 m=28
